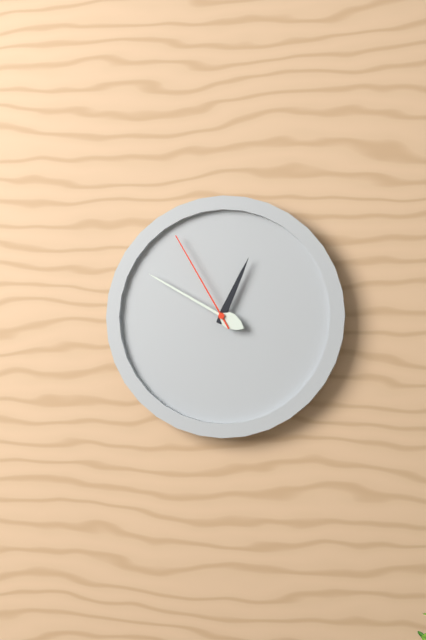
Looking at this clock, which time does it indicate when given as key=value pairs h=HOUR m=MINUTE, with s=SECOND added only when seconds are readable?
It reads h=12 m=50 s=55
